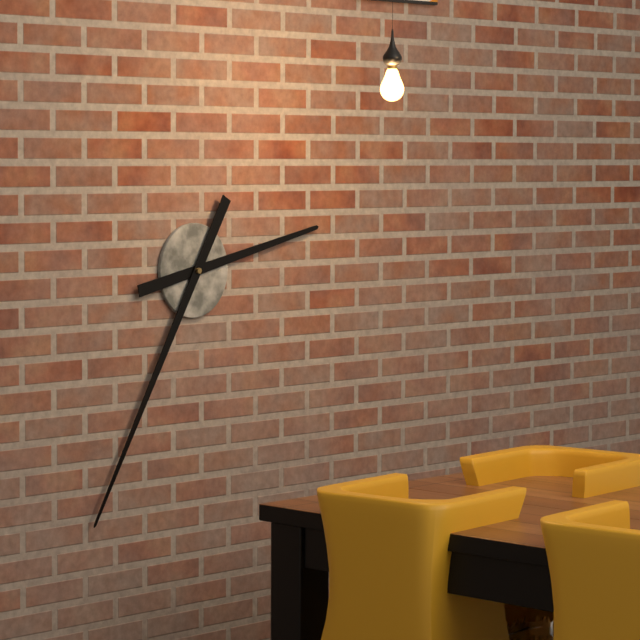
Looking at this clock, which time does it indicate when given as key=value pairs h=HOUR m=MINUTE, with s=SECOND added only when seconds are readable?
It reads h=2 m=35
